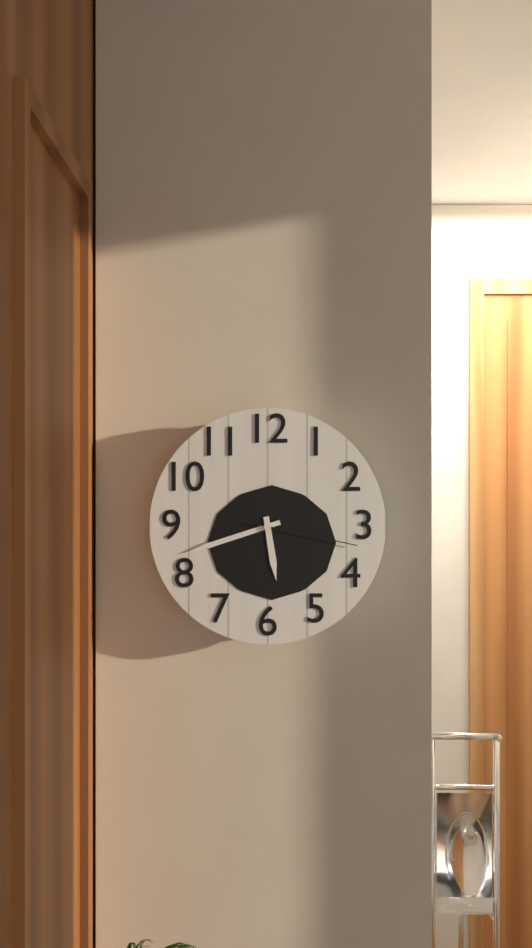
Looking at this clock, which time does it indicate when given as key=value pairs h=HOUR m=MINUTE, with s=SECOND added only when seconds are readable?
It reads h=5 m=42 s=17
